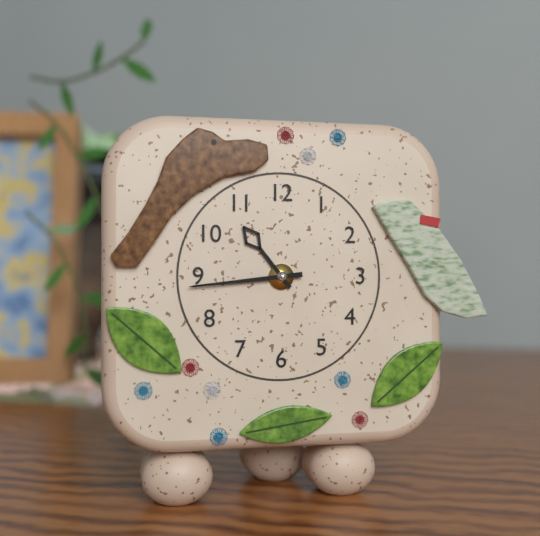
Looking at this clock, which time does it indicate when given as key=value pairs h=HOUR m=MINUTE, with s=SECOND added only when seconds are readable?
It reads h=10 m=44
